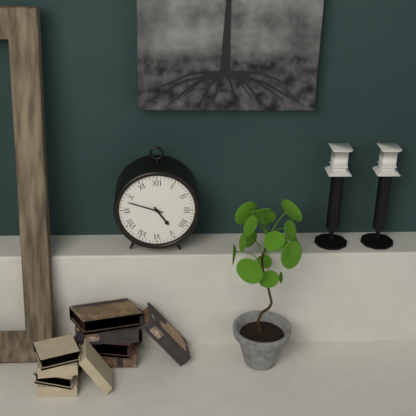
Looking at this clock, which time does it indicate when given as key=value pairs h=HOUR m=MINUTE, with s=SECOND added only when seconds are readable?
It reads h=4 m=48
